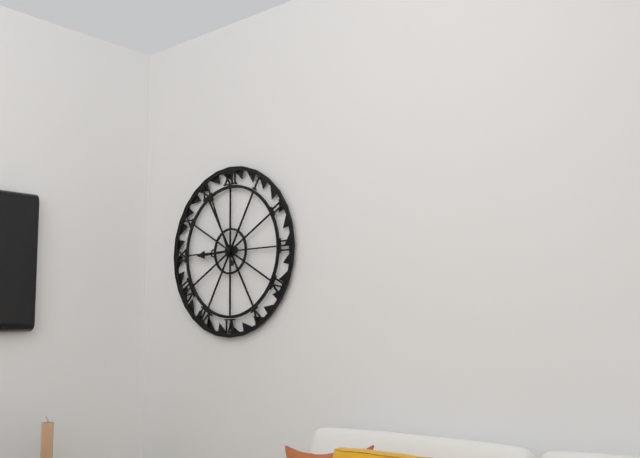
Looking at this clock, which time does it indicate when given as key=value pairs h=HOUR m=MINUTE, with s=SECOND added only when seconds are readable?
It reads h=8 m=56
